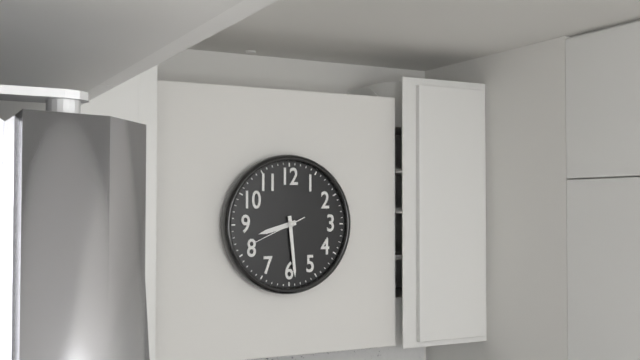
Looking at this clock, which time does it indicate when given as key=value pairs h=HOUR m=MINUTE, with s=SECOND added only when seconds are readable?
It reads h=8 m=29
